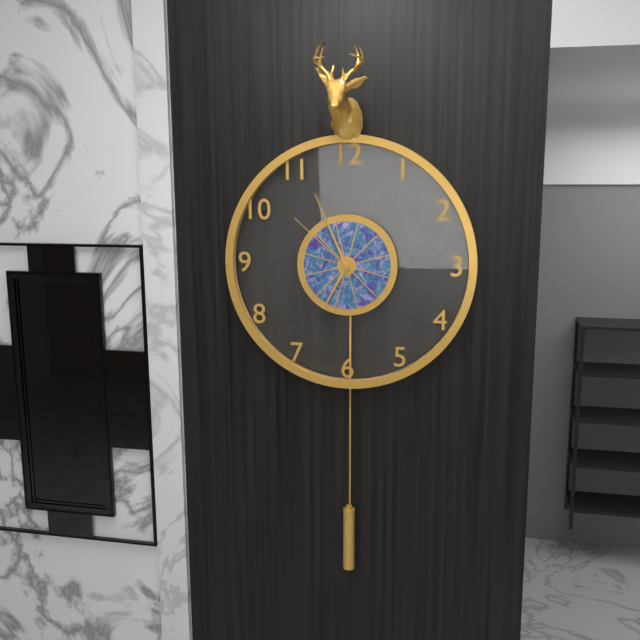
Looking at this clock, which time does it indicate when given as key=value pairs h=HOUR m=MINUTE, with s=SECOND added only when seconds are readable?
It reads h=6 m=56 s=52
